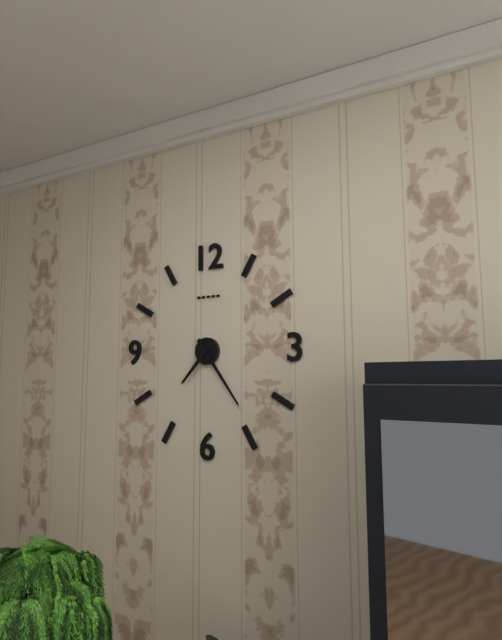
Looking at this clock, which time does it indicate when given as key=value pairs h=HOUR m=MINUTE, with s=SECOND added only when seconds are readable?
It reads h=7 m=24
